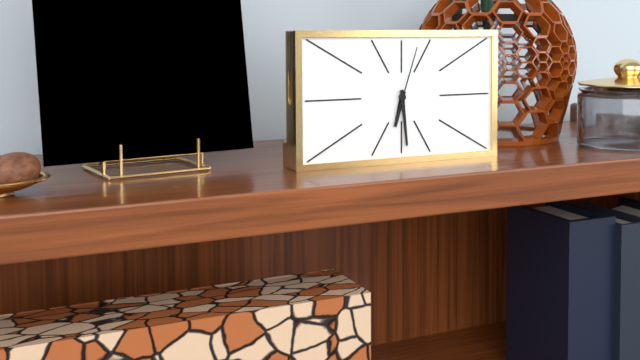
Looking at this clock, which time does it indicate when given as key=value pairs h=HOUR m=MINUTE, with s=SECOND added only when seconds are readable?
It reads h=6 m=29 s=3
